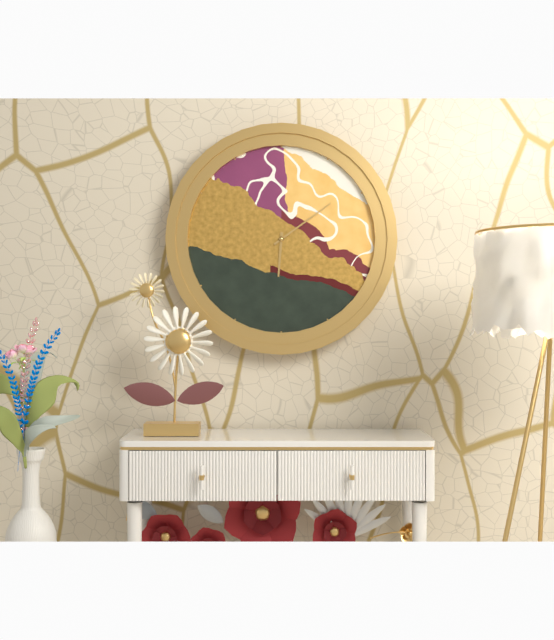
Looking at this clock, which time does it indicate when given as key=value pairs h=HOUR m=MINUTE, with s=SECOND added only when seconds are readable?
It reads h=6 m=9
